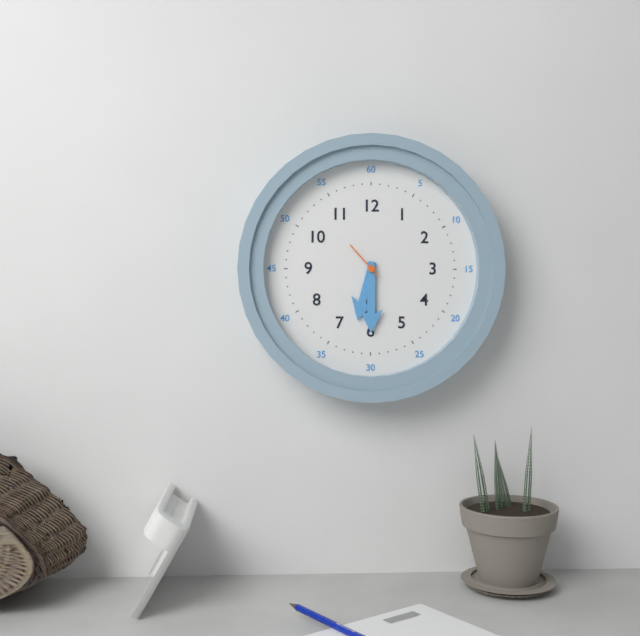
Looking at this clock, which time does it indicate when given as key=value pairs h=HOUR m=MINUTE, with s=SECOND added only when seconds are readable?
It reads h=6 m=30
